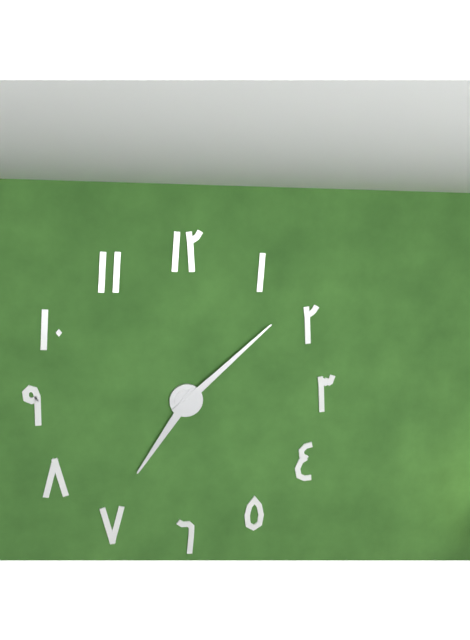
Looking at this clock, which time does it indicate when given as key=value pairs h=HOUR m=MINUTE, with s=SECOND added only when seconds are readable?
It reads h=7 m=8
